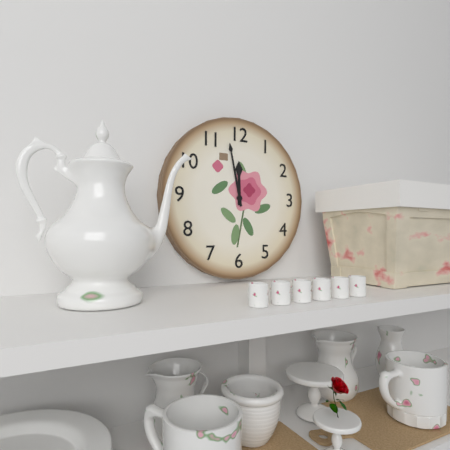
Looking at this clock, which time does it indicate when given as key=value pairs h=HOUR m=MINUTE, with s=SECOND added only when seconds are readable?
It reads h=11 m=58
